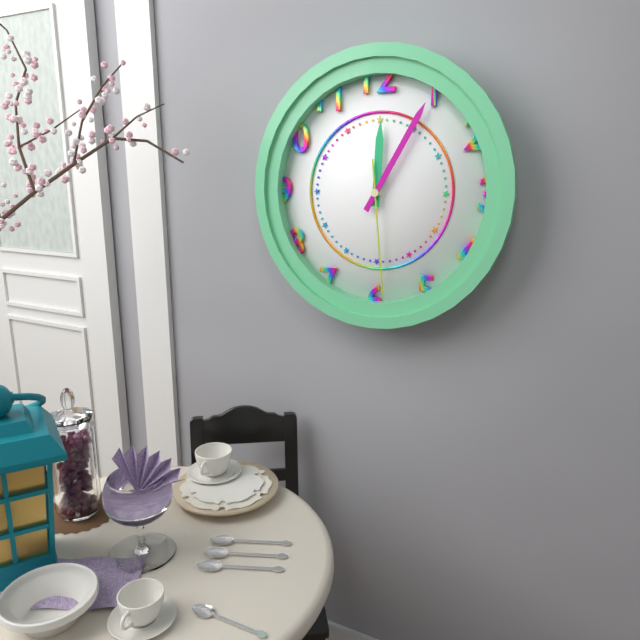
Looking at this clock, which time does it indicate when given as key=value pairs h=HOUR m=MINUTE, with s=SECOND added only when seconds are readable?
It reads h=12 m=5 s=29
